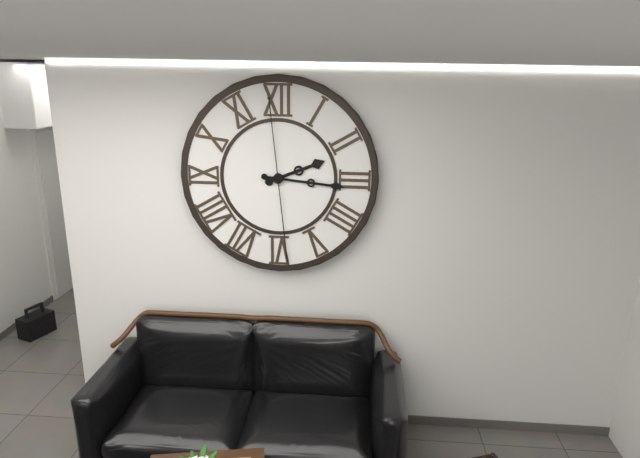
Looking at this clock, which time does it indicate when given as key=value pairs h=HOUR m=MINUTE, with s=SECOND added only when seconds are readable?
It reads h=2 m=16 s=29
